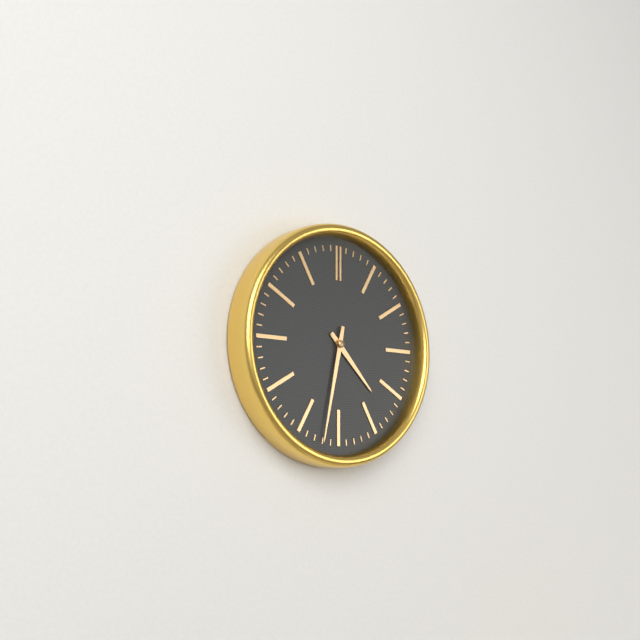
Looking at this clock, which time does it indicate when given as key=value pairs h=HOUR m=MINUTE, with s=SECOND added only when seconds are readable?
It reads h=4 m=32
